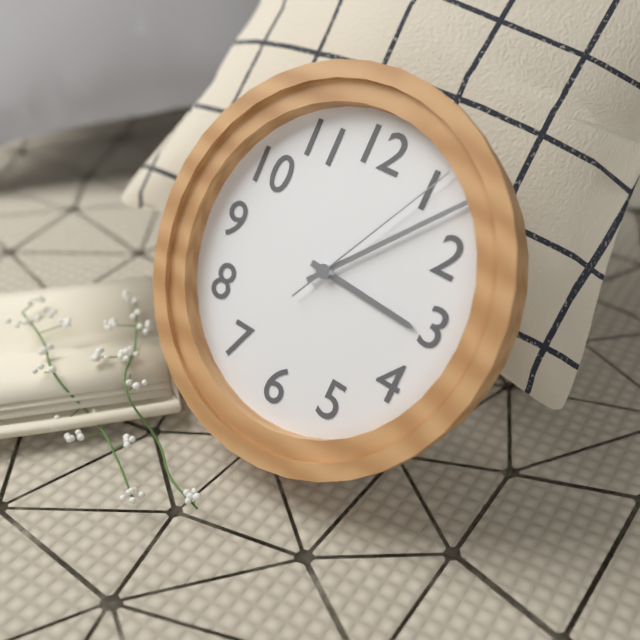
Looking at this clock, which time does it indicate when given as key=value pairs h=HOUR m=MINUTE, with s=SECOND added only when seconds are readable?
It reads h=3 m=7 s=5
